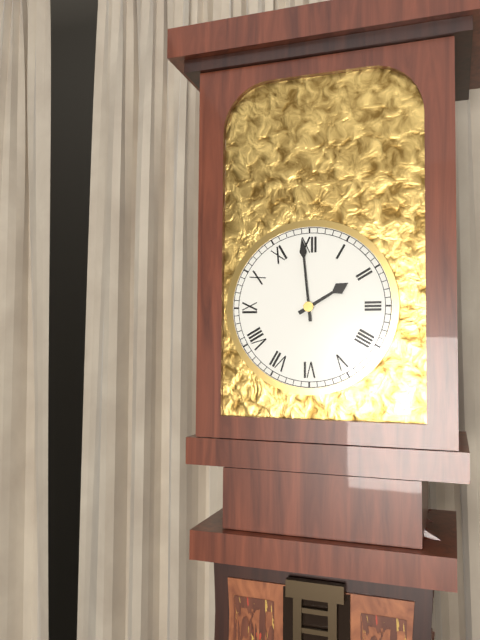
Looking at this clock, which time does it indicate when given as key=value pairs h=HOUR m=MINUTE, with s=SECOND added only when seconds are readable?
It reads h=1 m=59
